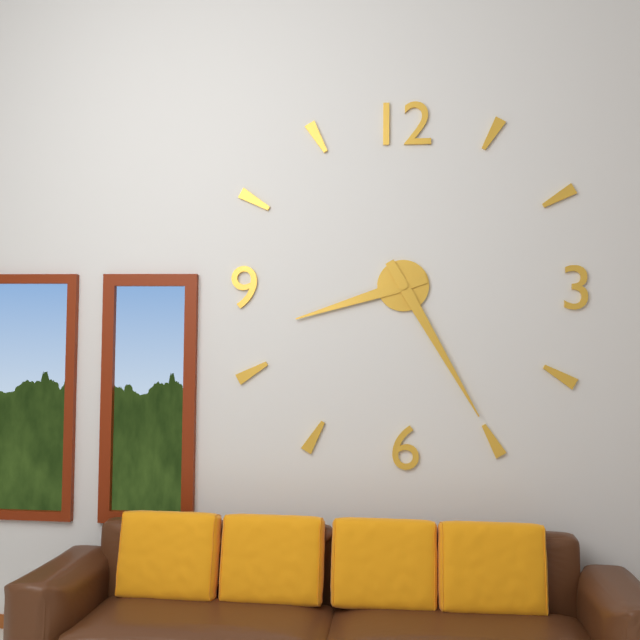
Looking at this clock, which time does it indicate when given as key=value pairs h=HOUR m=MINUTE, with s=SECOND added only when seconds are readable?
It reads h=8 m=25
